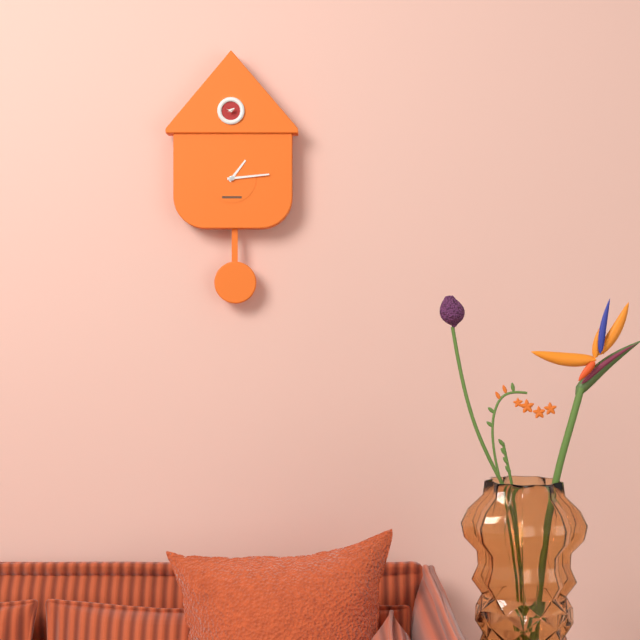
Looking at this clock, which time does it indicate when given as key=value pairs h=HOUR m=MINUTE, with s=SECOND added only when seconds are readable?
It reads h=1 m=14
